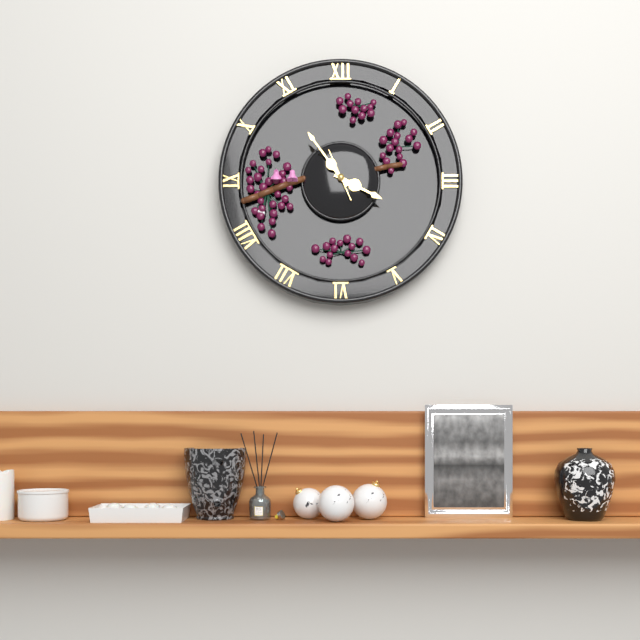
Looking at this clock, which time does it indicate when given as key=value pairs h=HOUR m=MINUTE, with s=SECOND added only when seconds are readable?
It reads h=3 m=54
